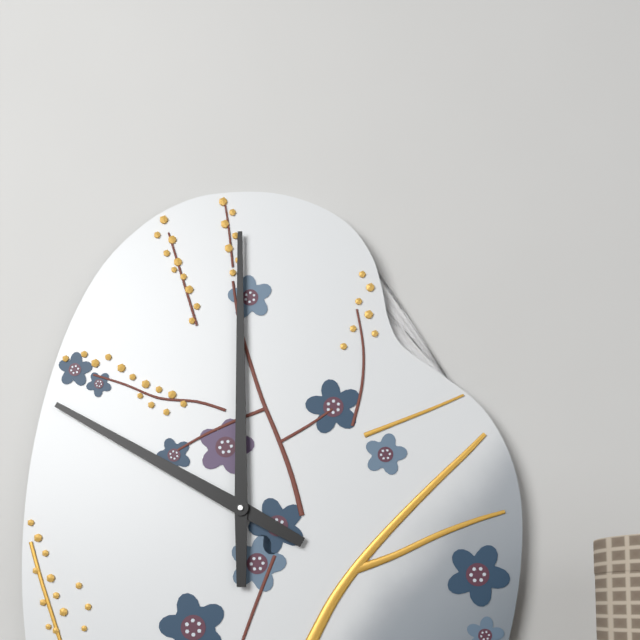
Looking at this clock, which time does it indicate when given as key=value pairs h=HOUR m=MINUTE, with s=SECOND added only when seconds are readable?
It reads h=10 m=0
